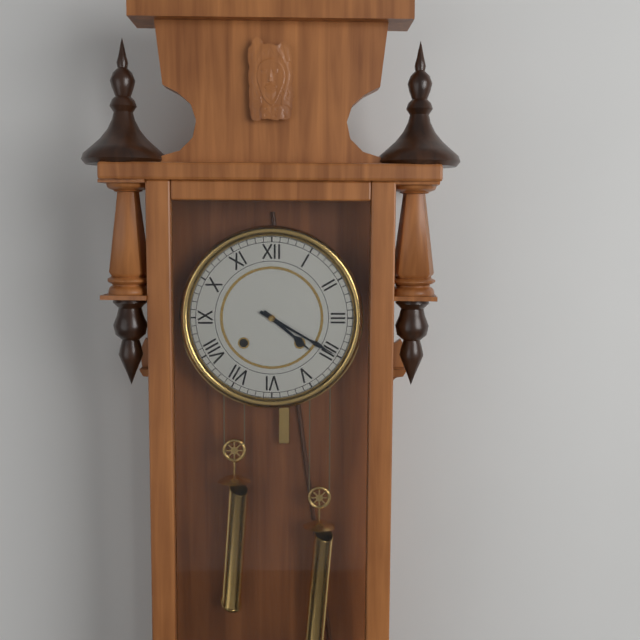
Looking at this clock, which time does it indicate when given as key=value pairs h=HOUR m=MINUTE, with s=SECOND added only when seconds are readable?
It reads h=4 m=20
